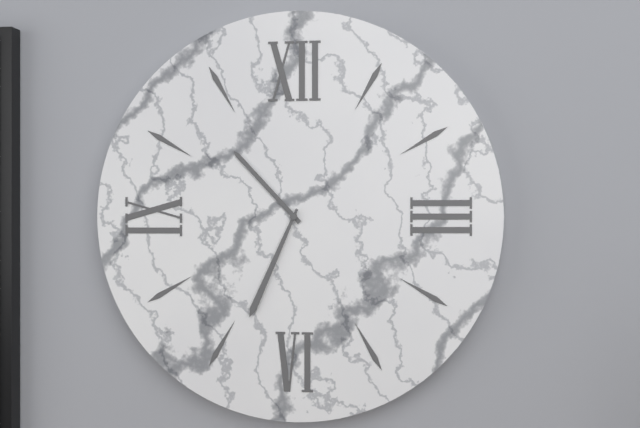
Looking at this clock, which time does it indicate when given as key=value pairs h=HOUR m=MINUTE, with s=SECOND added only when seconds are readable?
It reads h=10 m=34
